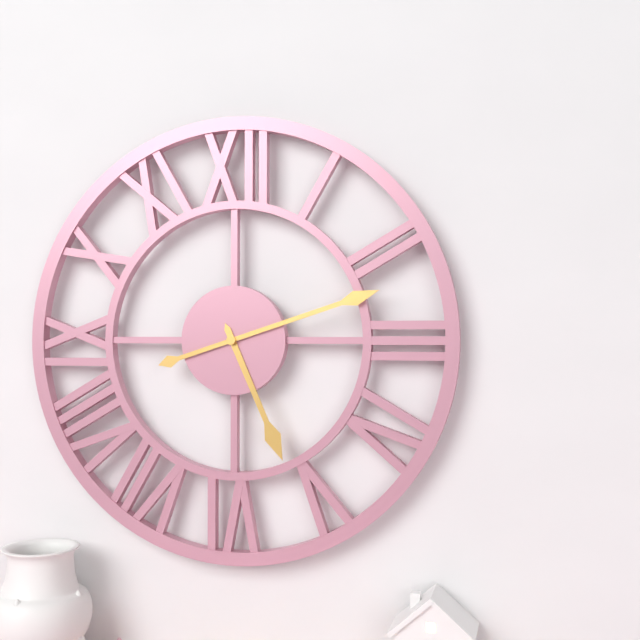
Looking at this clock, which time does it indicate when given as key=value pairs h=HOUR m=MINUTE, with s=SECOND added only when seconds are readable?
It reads h=5 m=12
